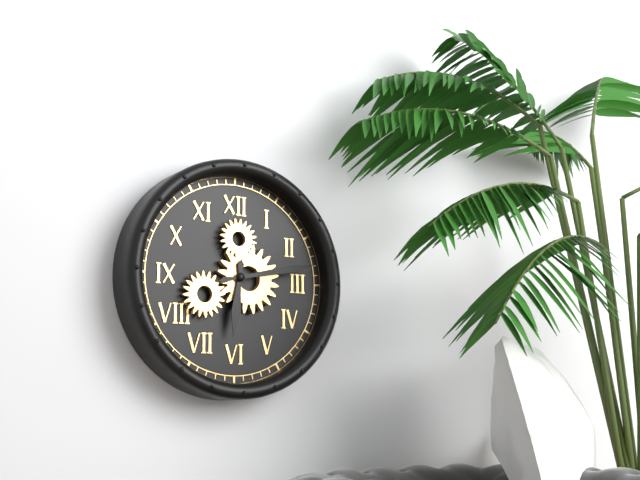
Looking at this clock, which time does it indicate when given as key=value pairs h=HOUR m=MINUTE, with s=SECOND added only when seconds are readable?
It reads h=6 m=13
